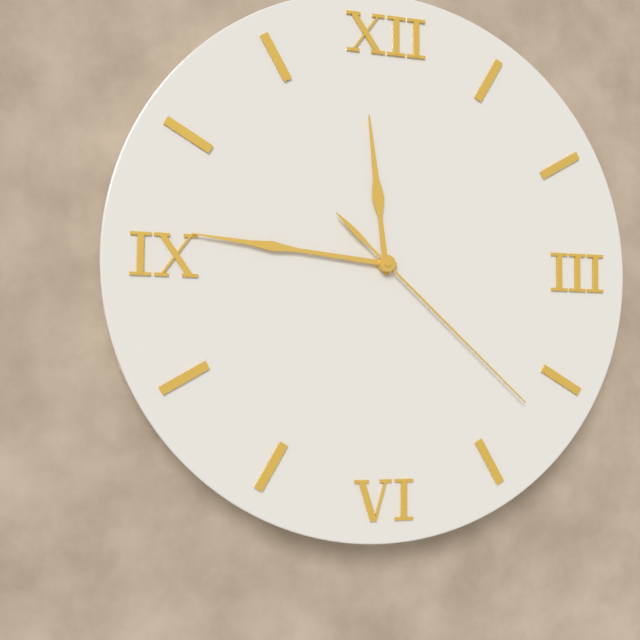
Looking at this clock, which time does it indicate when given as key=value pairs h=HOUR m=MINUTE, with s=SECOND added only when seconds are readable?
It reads h=11 m=46 s=22
